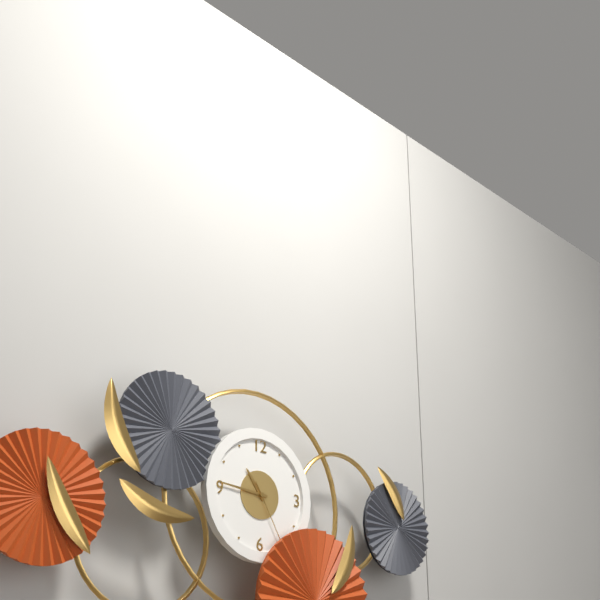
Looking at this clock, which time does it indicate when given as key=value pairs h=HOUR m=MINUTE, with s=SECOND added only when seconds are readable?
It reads h=10 m=46 s=25
